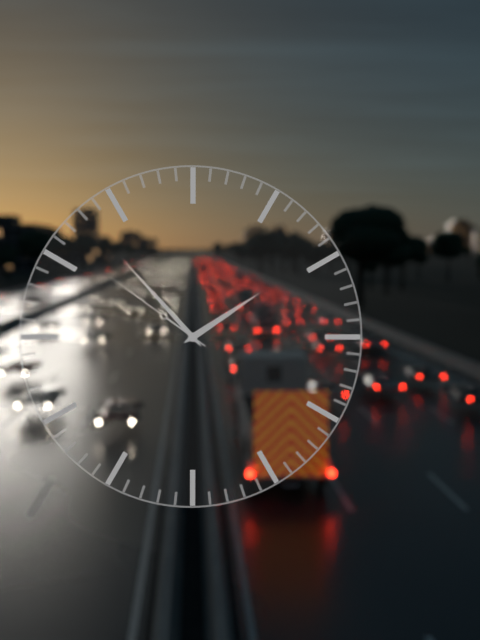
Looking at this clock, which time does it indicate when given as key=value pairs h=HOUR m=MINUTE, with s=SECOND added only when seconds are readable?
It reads h=1 m=53 s=51
